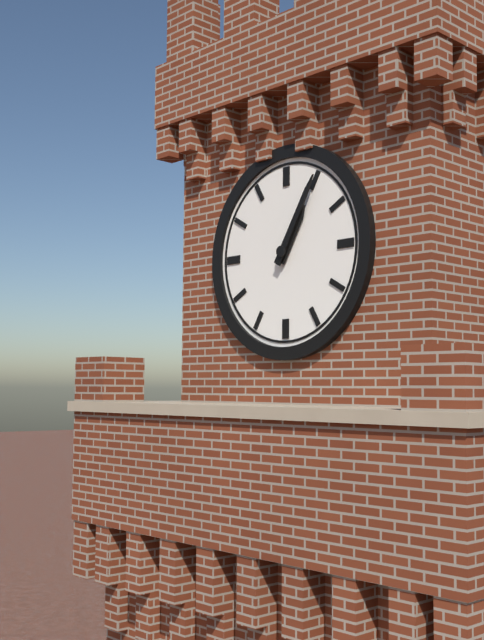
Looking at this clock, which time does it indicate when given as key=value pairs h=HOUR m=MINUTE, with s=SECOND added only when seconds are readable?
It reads h=1 m=5
